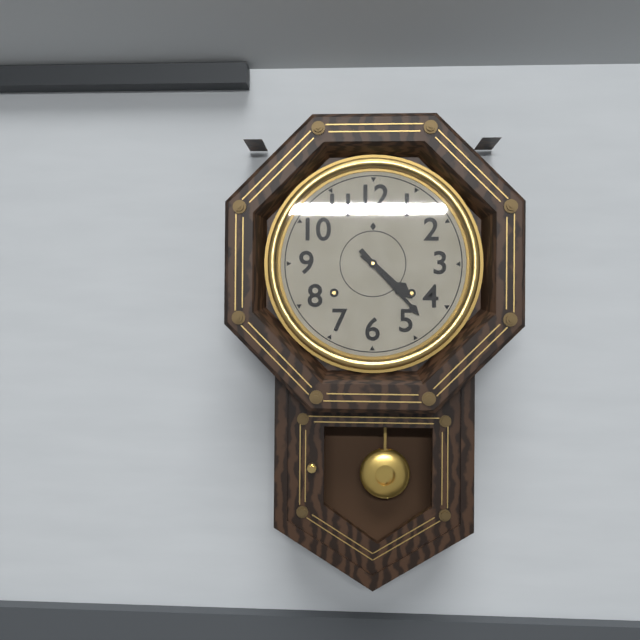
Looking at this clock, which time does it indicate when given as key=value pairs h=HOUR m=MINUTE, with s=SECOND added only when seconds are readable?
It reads h=4 m=23
